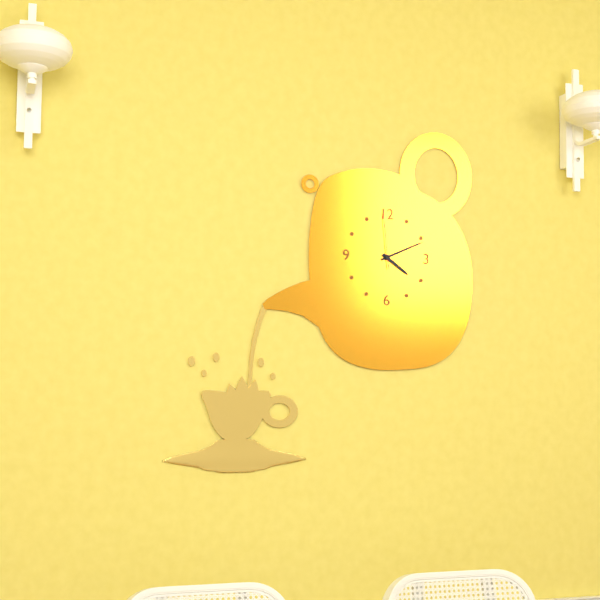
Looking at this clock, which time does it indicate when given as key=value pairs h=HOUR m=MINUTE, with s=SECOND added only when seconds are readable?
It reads h=4 m=11 s=59
